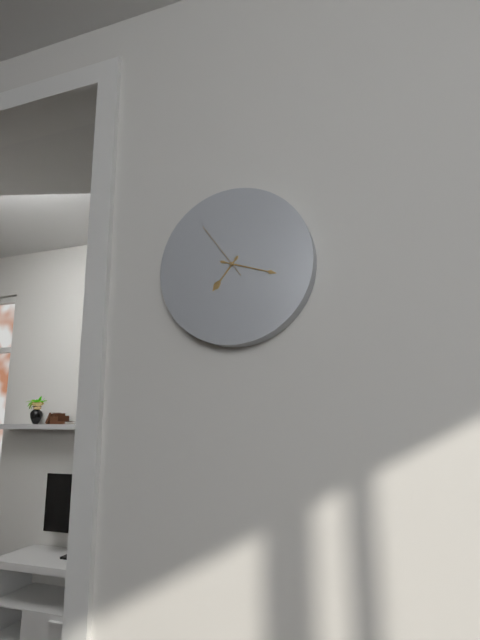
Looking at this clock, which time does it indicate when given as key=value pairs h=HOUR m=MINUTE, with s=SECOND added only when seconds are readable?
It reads h=7 m=18 s=54
